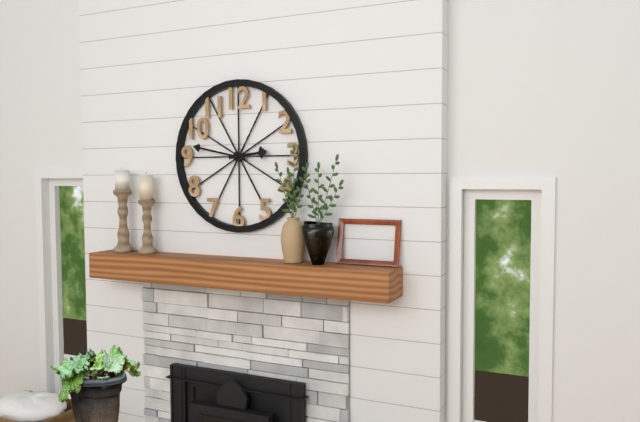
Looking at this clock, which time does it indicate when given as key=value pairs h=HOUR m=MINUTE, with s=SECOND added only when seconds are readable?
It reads h=2 m=47
